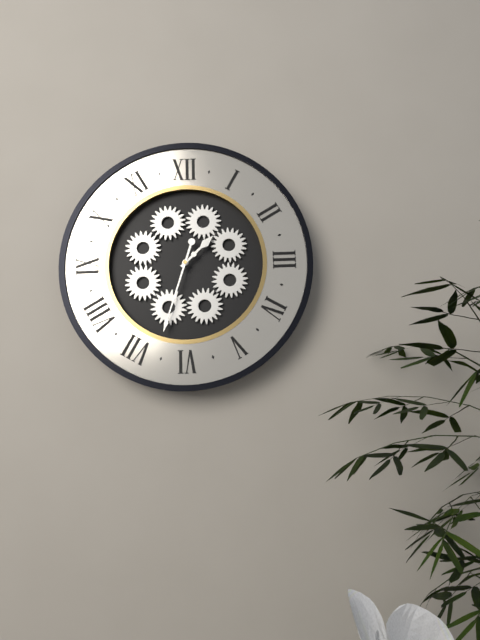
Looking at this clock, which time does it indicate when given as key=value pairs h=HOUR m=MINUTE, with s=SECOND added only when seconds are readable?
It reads h=1 m=33
